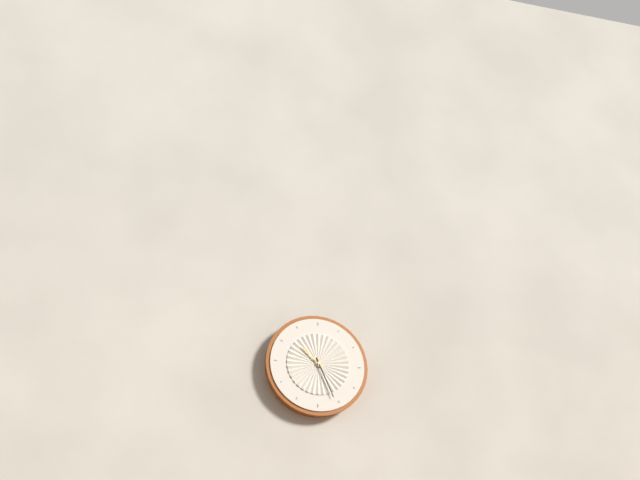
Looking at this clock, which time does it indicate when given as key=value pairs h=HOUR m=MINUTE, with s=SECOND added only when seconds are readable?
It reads h=10 m=26
